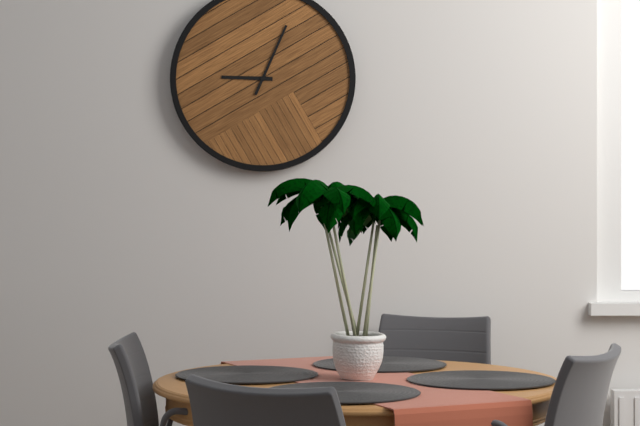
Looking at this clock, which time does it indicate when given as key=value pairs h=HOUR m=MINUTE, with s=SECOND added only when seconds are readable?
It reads h=9 m=4
